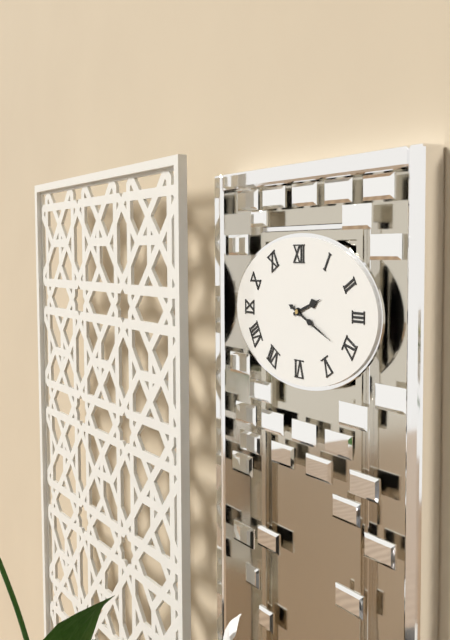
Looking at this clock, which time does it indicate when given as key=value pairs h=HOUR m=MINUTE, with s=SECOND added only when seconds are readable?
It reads h=2 m=19
